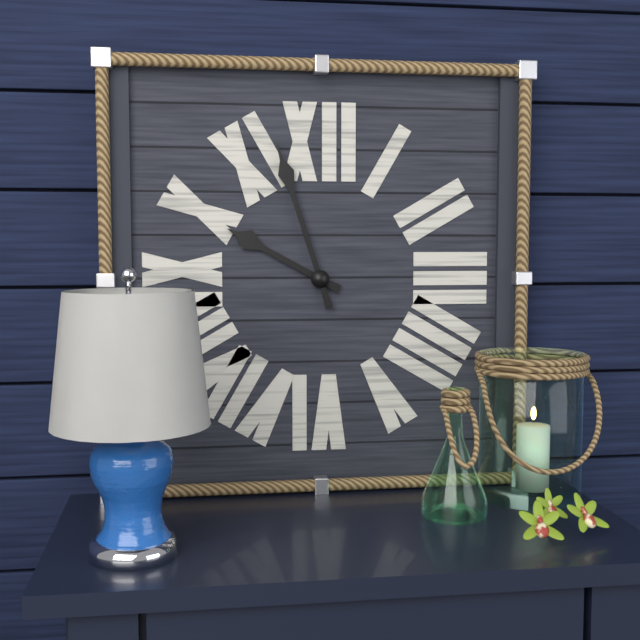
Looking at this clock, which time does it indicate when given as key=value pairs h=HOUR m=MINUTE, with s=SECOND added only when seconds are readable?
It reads h=9 m=57
